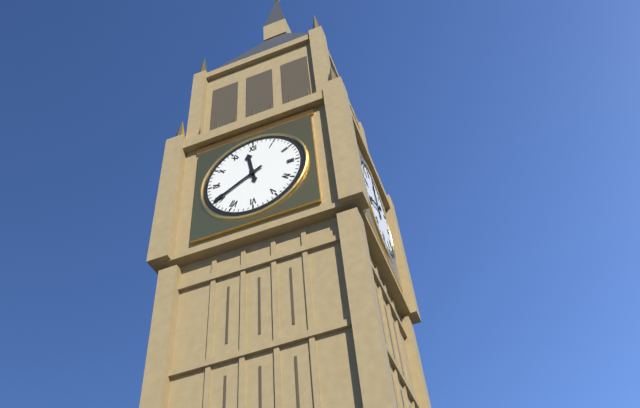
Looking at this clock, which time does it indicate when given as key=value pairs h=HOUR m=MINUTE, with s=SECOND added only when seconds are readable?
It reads h=11 m=40
